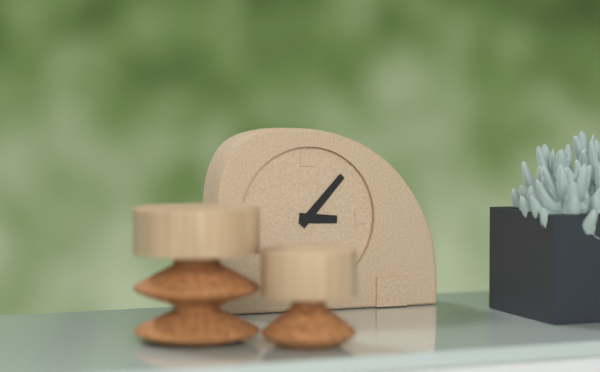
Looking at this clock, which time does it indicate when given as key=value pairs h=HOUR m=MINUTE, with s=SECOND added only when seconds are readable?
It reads h=3 m=7
